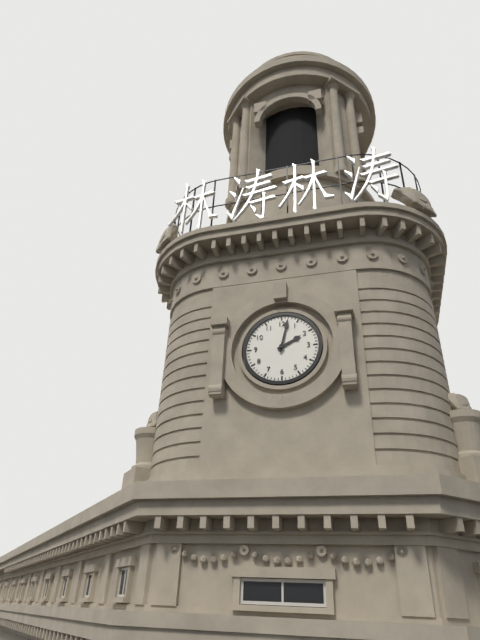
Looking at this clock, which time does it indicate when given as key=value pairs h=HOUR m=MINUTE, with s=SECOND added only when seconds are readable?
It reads h=2 m=2
